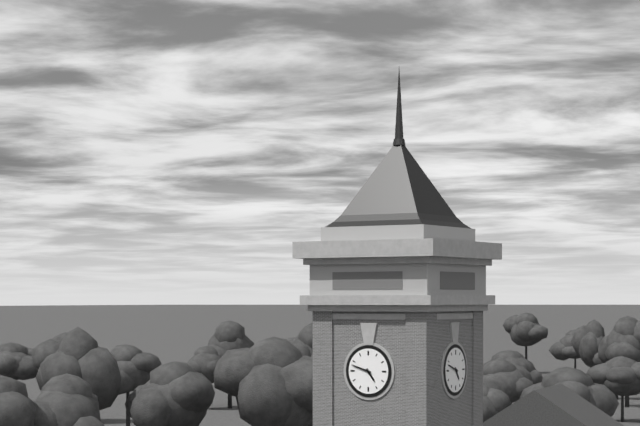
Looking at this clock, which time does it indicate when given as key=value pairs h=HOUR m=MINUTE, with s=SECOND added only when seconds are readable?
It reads h=4 m=48
